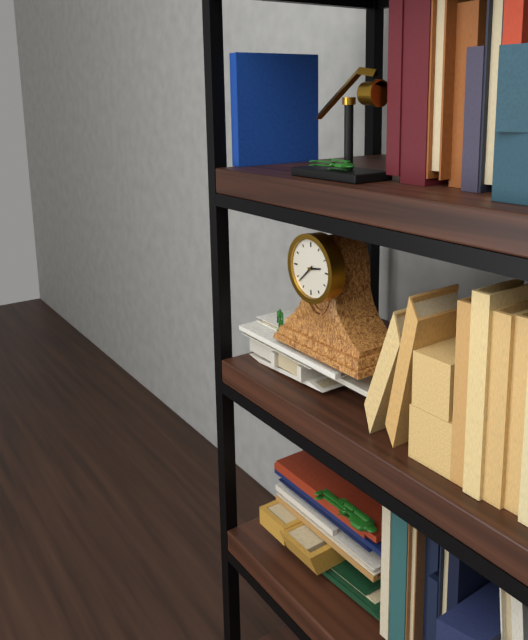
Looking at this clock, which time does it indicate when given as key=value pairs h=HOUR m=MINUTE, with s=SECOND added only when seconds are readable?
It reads h=2 m=38
